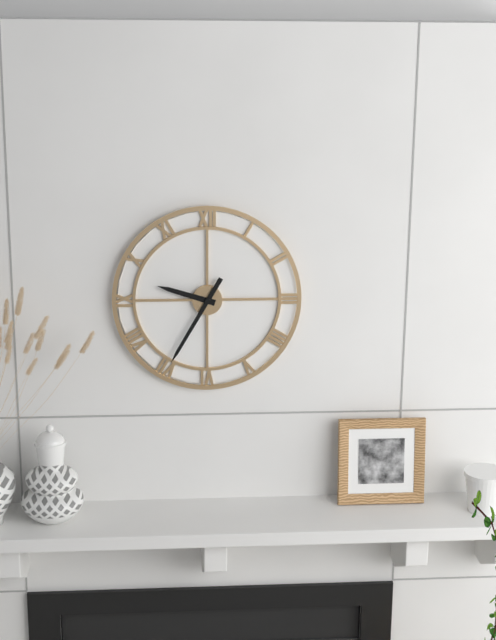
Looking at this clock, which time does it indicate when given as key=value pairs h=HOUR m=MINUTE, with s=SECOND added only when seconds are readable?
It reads h=9 m=35
